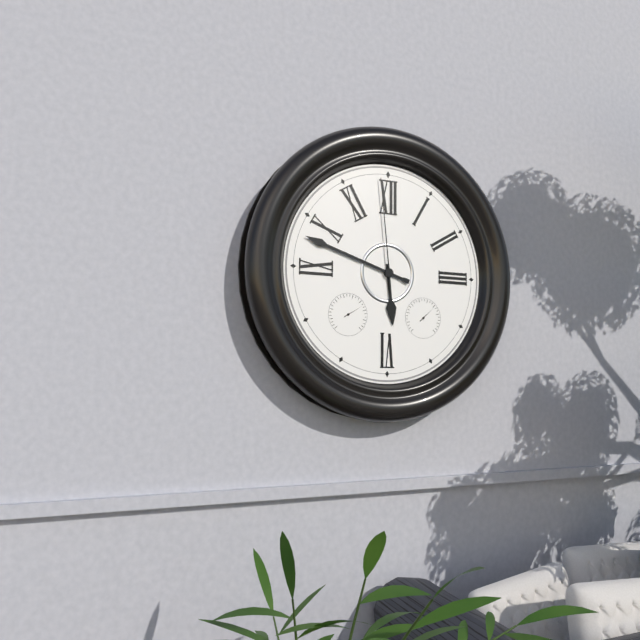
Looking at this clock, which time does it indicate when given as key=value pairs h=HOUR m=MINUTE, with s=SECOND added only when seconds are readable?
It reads h=5 m=48 s=59
